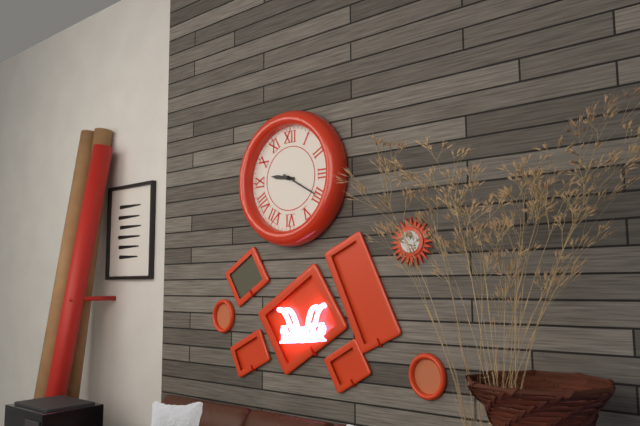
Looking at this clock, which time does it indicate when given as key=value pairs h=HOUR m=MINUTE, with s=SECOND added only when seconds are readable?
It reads h=9 m=20
